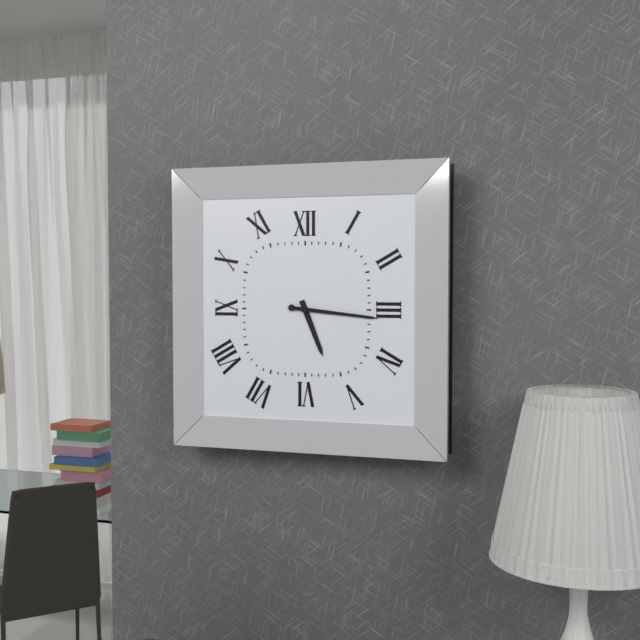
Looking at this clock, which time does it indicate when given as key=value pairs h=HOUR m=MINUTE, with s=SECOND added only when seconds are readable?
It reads h=5 m=16
